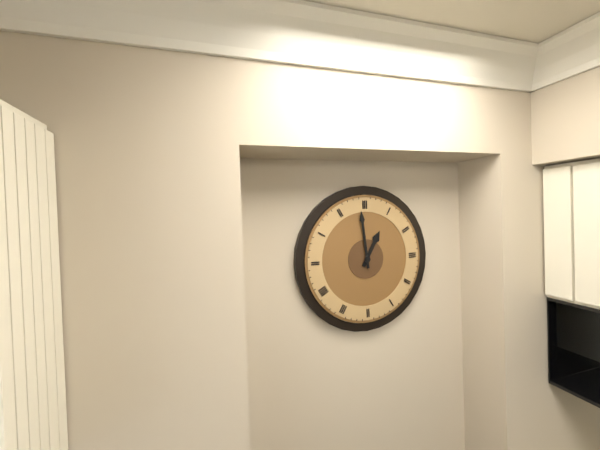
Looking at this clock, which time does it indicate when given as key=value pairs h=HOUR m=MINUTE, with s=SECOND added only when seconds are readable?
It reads h=12 m=59
